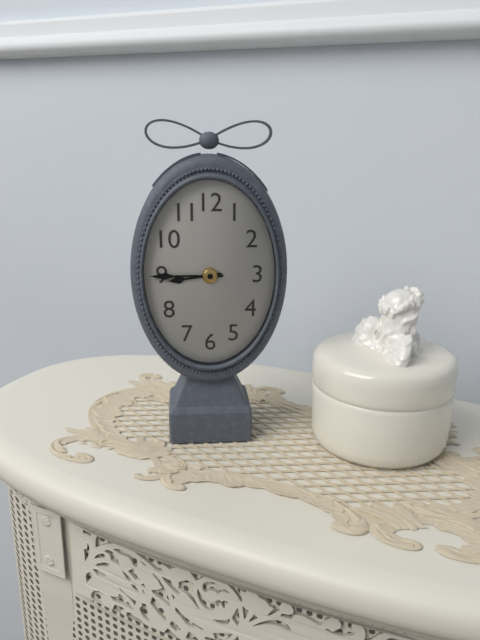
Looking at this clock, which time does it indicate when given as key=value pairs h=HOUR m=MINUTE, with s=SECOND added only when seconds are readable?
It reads h=8 m=45
